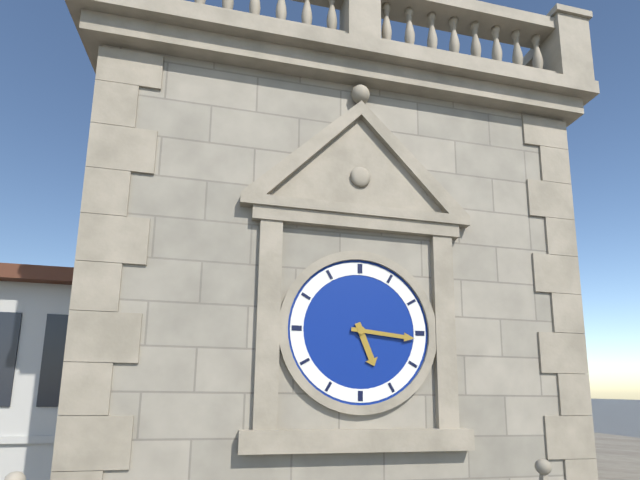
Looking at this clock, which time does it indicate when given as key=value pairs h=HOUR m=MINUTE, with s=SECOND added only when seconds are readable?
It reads h=5 m=16
